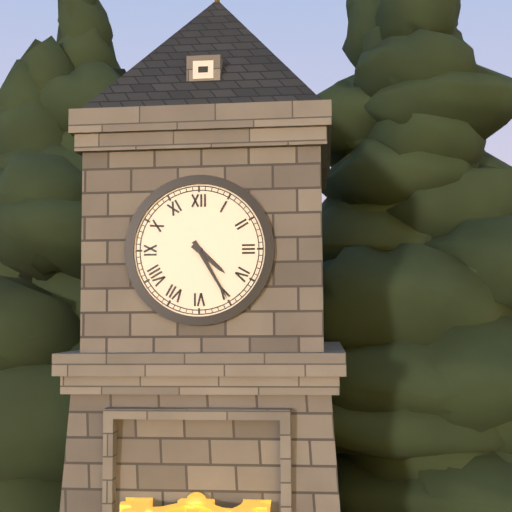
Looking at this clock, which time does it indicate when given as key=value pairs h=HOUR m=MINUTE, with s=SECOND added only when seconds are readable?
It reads h=4 m=25
